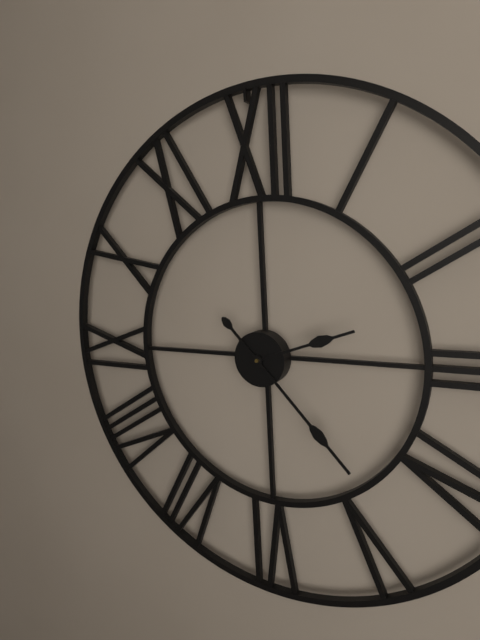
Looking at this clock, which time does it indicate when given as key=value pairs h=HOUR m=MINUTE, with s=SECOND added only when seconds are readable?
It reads h=2 m=23
